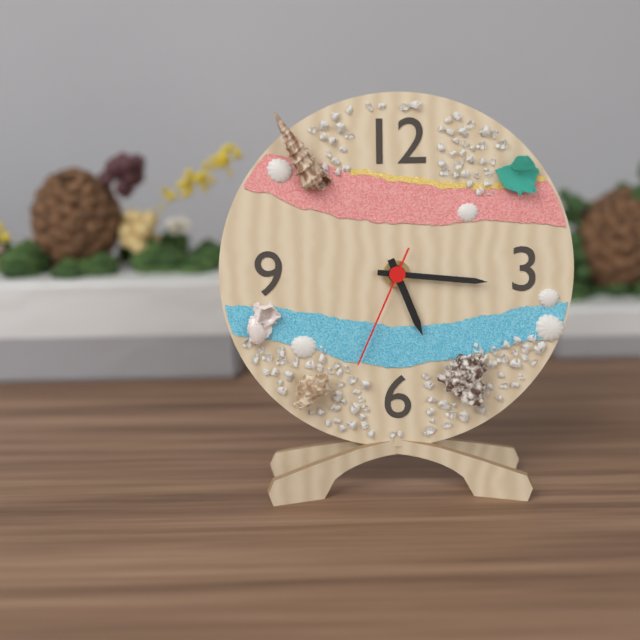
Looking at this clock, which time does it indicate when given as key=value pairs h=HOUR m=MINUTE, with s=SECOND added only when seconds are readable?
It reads h=5 m=16 s=34
